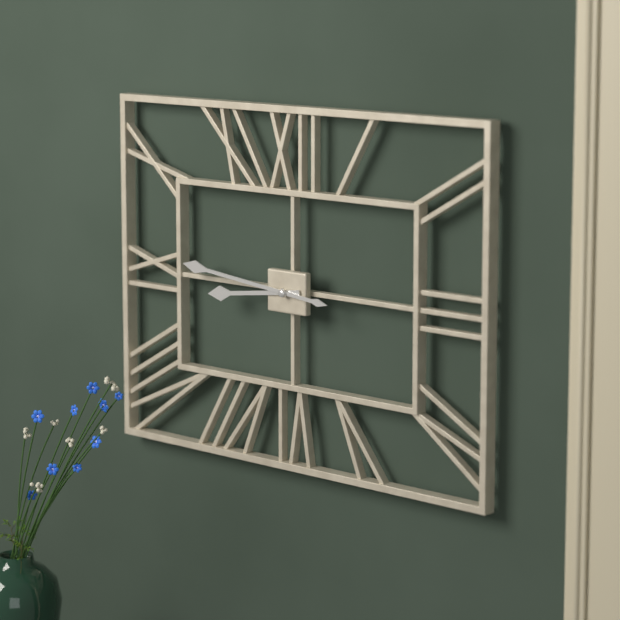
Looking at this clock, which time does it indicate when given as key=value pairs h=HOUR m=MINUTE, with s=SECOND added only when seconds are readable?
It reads h=8 m=46
